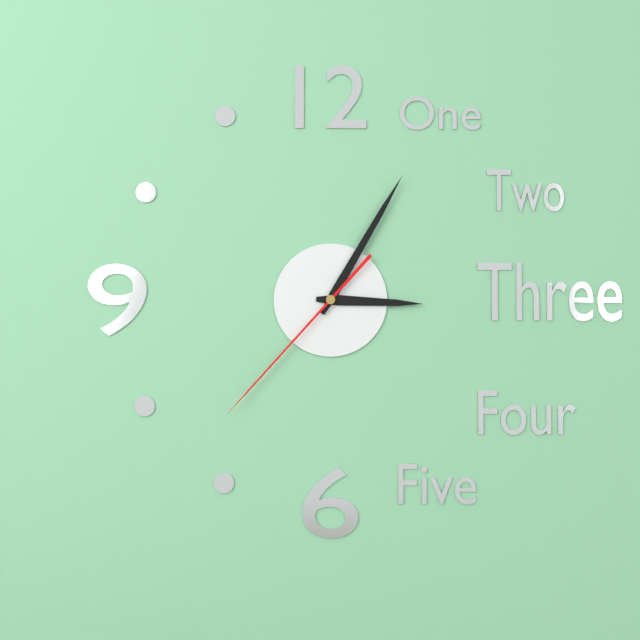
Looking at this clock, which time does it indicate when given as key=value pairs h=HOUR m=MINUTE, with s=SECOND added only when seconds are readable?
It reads h=3 m=5 s=37
